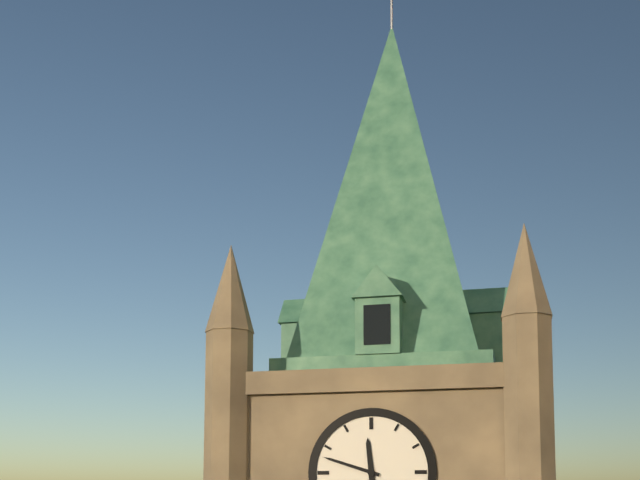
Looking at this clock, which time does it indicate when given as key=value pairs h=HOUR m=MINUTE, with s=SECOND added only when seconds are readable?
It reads h=11 m=48
